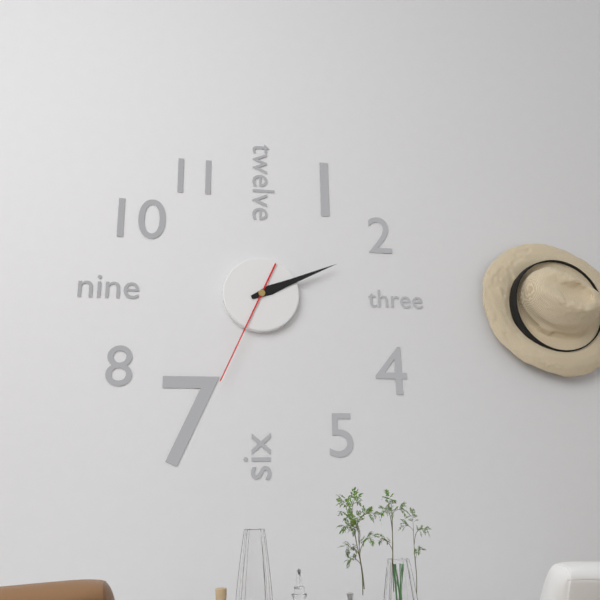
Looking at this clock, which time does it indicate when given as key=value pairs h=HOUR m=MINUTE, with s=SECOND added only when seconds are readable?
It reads h=2 m=11 s=34
